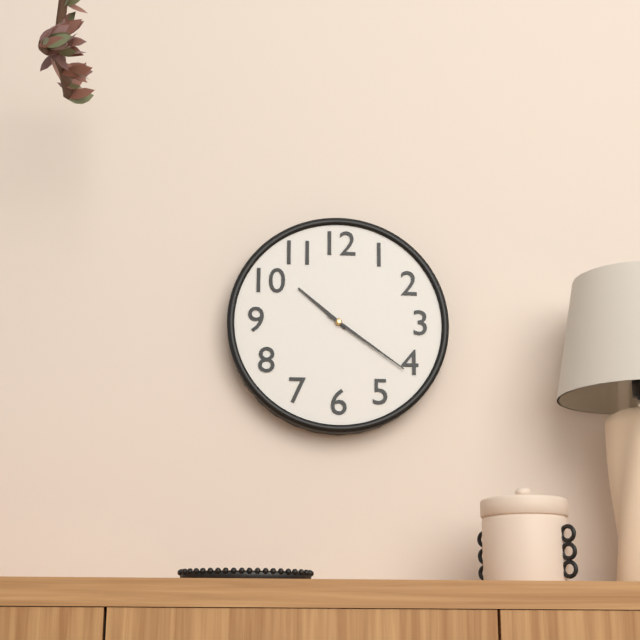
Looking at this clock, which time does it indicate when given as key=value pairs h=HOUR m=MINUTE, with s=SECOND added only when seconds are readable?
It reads h=10 m=21
